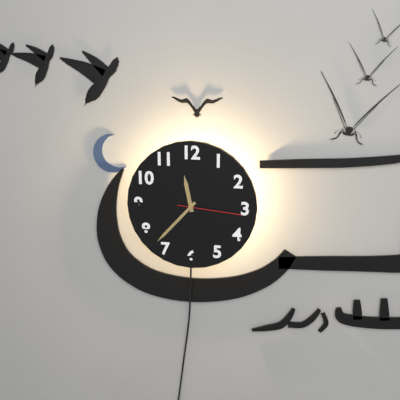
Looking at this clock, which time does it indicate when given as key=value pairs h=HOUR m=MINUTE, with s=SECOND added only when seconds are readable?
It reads h=11 m=37 s=16
